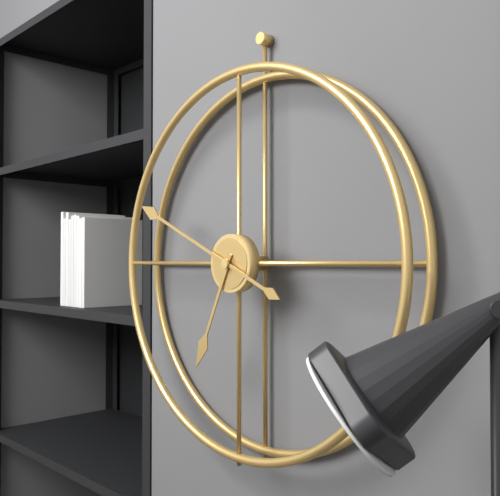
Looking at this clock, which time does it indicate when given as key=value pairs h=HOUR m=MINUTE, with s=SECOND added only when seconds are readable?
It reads h=6 m=49
